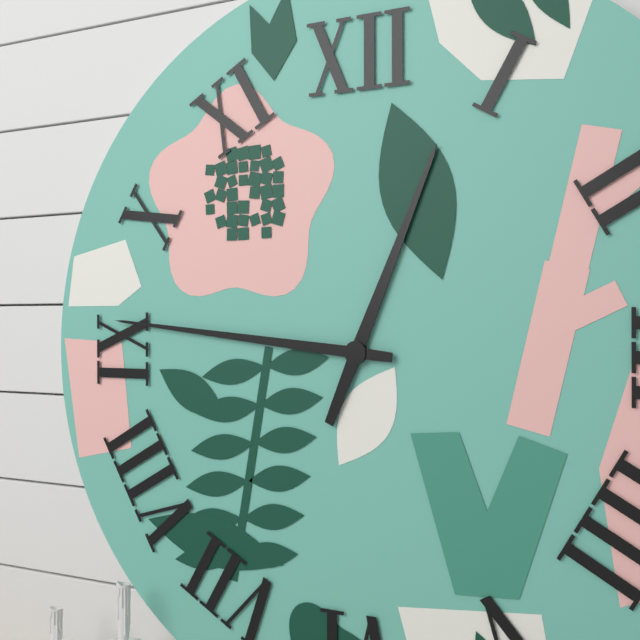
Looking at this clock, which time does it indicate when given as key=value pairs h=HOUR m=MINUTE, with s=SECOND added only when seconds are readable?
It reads h=12 m=46
